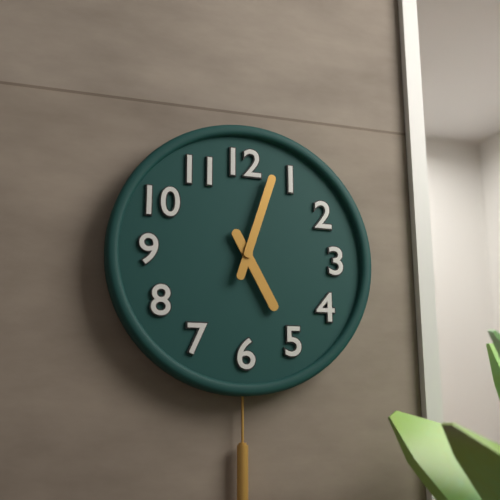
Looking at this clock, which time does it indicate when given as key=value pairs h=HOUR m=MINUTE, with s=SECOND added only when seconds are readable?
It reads h=5 m=3
